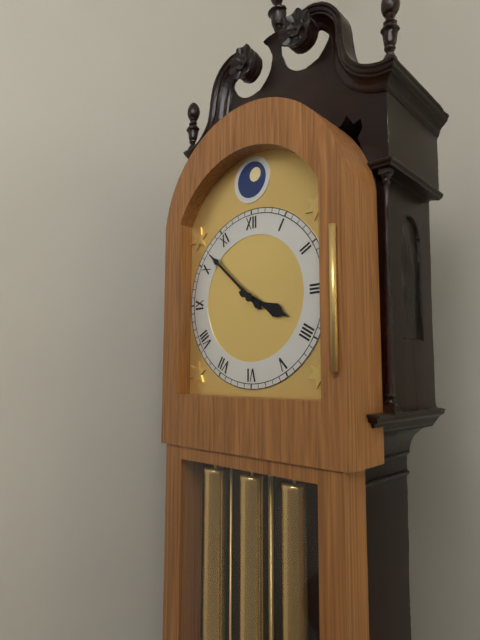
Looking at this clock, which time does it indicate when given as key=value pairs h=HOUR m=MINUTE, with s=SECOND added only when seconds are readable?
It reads h=3 m=52
